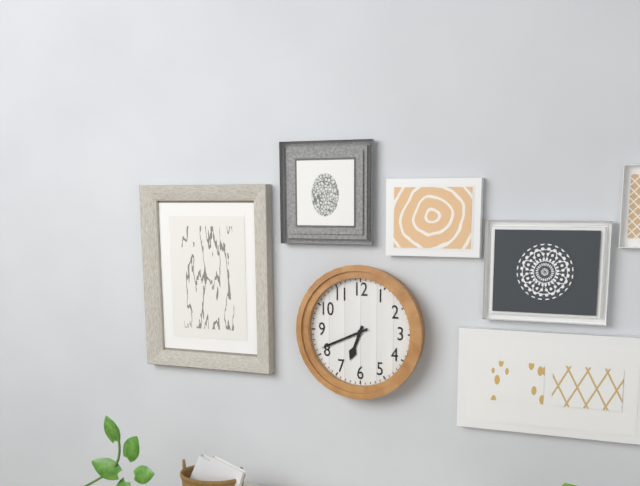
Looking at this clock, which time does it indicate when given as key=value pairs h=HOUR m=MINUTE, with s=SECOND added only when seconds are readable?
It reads h=6 m=41
